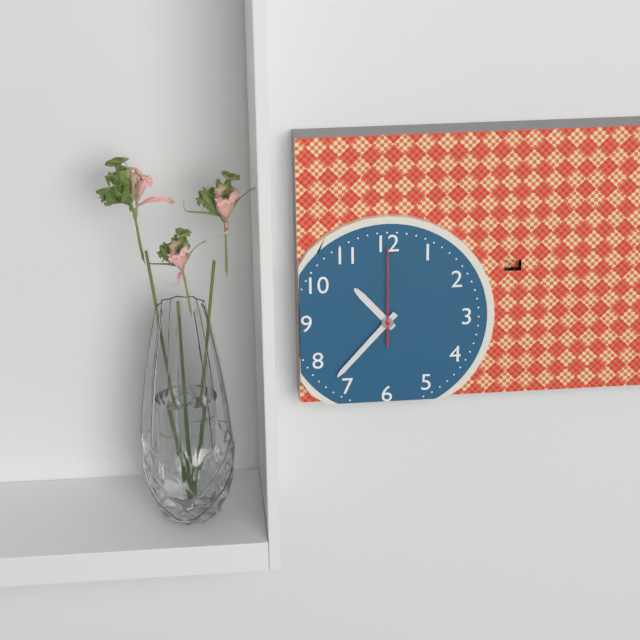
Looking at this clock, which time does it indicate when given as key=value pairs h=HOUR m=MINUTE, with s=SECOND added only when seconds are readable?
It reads h=10 m=37 s=0
